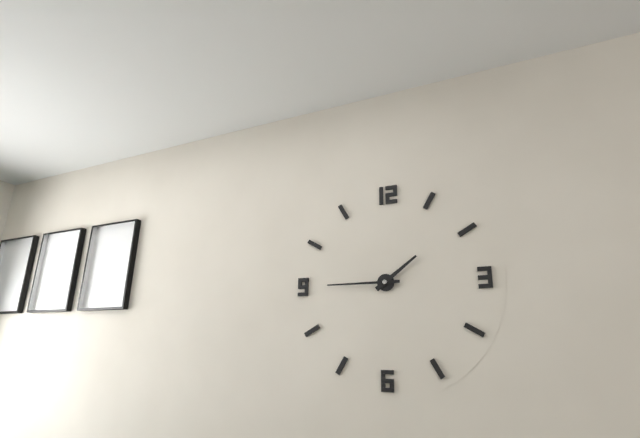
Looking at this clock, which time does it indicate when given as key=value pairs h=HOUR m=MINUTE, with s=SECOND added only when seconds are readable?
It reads h=1 m=45
